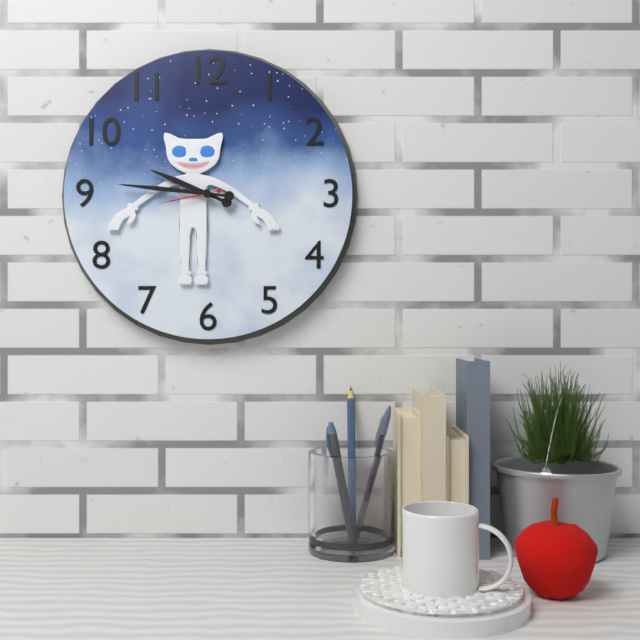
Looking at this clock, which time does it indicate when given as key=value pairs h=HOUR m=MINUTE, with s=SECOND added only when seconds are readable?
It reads h=9 m=46 s=43
